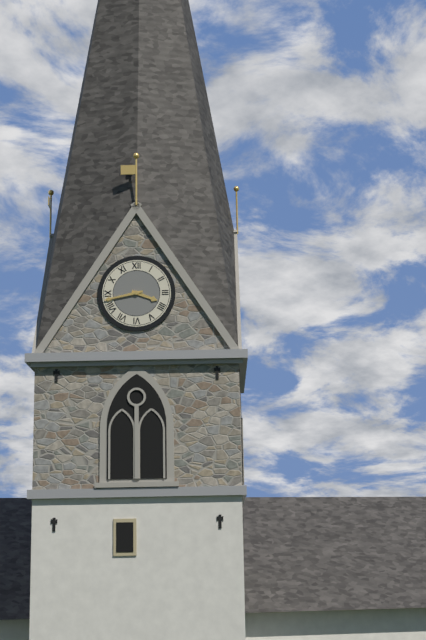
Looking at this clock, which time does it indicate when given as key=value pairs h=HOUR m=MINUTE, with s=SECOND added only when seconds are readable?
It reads h=3 m=43
